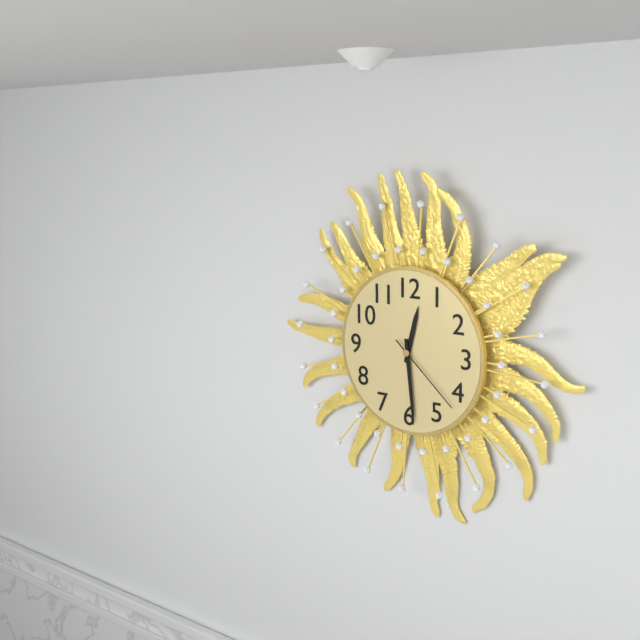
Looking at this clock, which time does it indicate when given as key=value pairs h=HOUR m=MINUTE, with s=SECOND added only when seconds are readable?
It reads h=12 m=29 s=22
